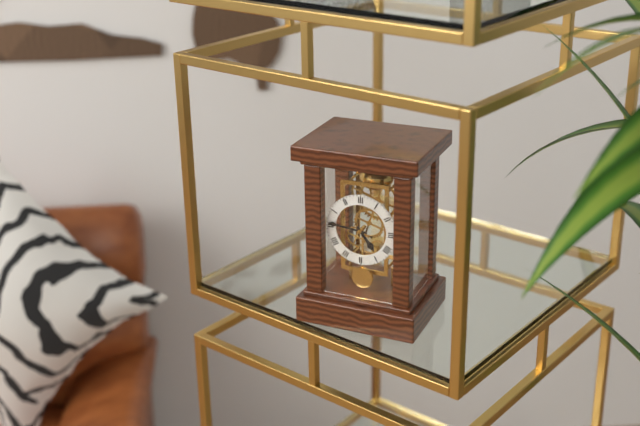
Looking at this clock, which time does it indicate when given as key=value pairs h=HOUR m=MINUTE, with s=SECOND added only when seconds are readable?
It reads h=4 m=46
